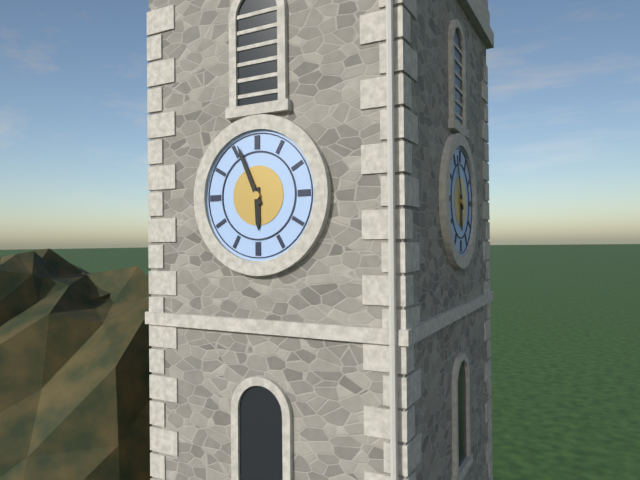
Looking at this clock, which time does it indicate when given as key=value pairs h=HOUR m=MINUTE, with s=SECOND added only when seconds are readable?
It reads h=5 m=56
